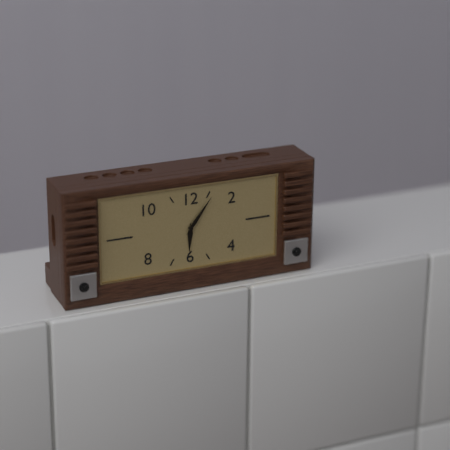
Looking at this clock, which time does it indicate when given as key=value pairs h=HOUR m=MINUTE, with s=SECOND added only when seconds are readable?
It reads h=6 m=6
